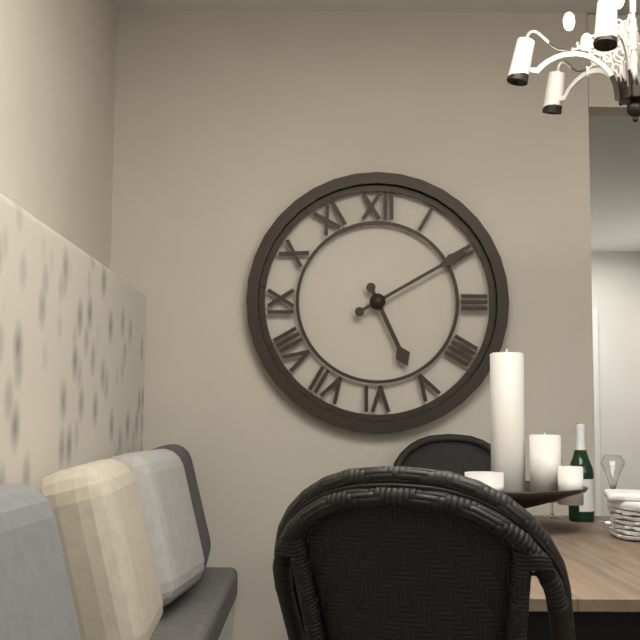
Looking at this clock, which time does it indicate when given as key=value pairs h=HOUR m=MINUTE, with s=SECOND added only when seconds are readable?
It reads h=5 m=10
